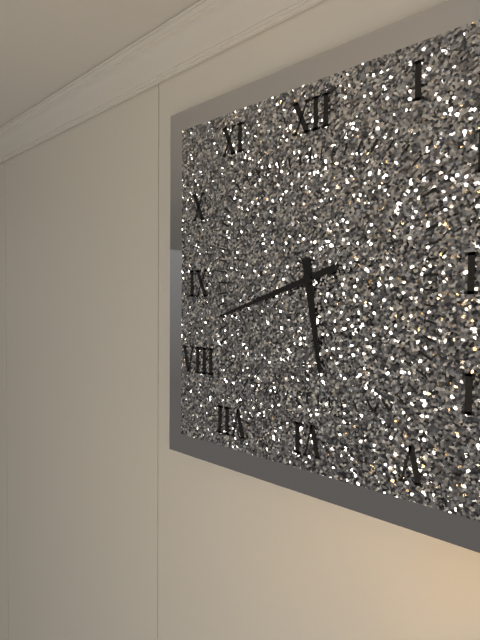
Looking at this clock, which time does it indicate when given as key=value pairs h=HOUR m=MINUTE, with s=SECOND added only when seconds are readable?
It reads h=5 m=42
